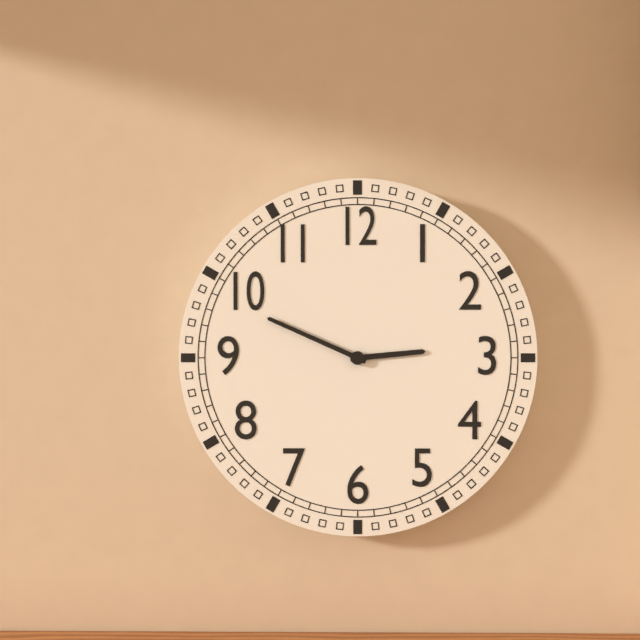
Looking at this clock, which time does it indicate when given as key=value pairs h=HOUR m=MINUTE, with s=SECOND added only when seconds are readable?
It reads h=2 m=49
